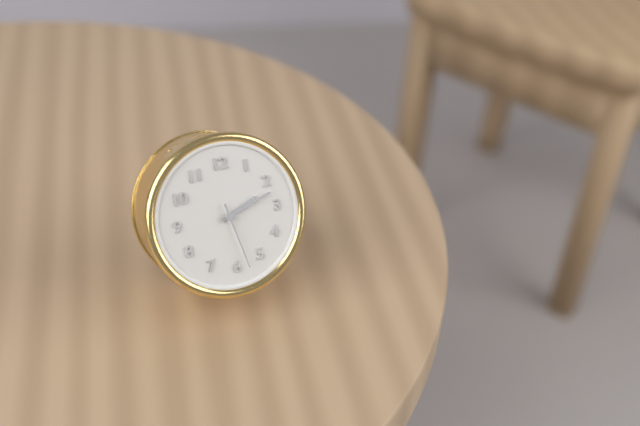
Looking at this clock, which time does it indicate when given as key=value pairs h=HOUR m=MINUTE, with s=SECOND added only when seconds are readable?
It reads h=2 m=12 s=28
